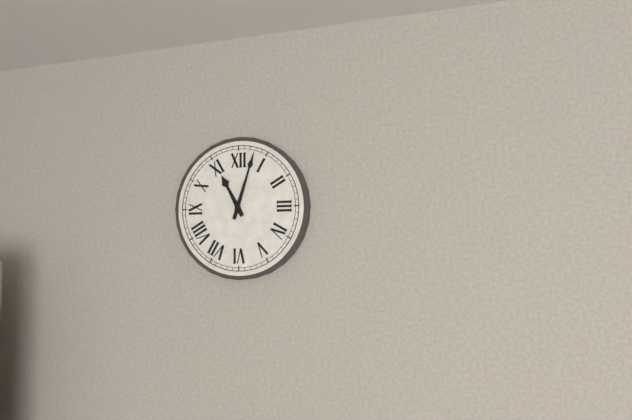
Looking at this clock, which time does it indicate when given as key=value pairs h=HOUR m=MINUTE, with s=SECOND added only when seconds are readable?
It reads h=11 m=3
